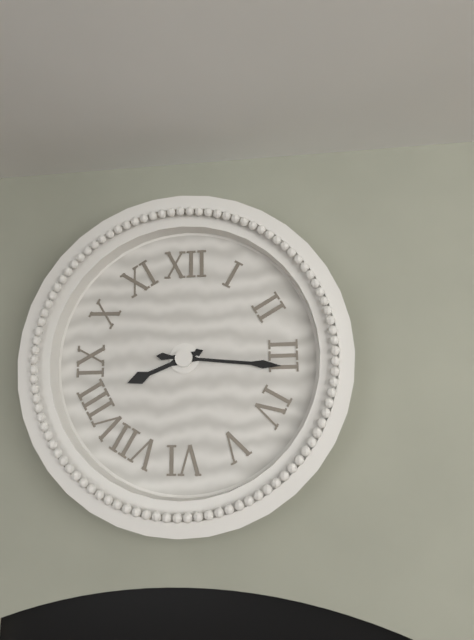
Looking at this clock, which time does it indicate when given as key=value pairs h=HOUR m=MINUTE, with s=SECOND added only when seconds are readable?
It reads h=8 m=16
